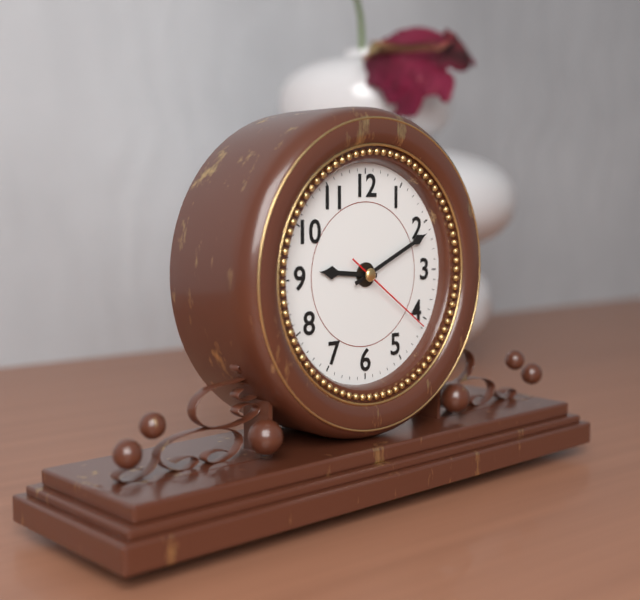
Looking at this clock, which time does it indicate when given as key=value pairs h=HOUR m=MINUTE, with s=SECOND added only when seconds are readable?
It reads h=9 m=11 s=21
